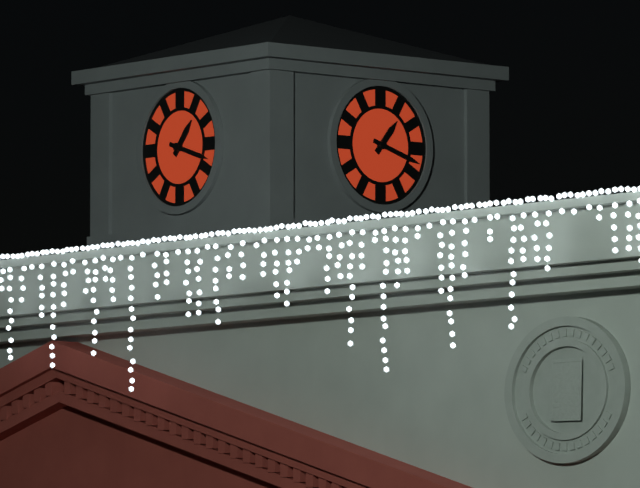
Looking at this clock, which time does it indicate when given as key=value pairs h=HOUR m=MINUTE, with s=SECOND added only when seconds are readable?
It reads h=1 m=18
